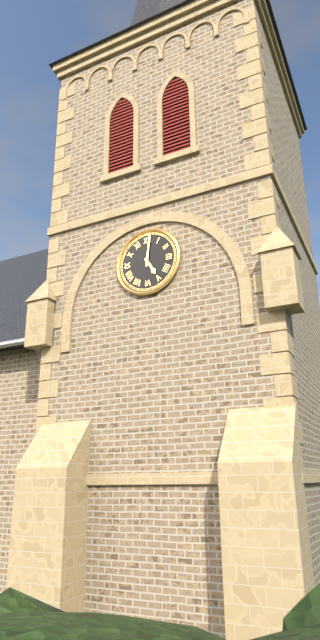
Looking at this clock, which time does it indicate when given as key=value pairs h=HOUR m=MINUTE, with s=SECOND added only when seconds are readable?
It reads h=5 m=1
